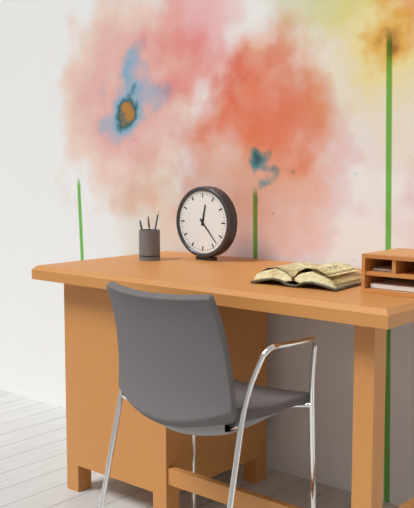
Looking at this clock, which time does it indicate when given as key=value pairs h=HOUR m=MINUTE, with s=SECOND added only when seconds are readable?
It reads h=12 m=23
